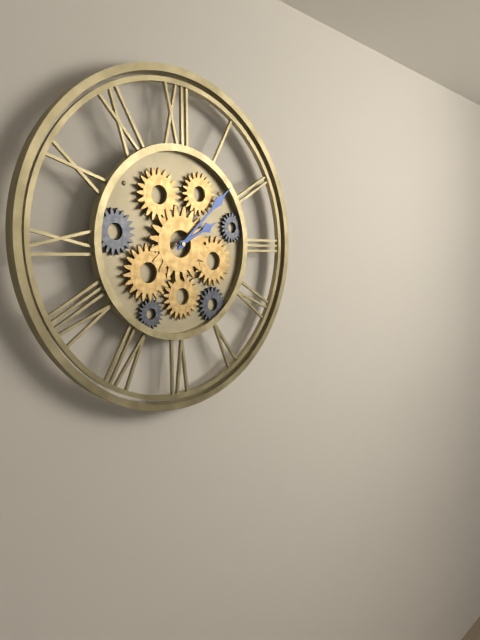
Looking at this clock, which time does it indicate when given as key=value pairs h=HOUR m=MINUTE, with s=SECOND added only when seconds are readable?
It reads h=2 m=8
